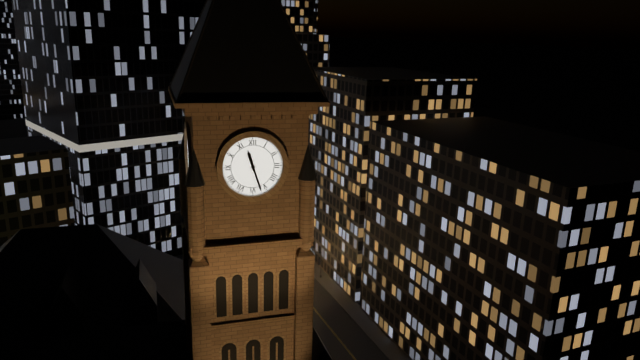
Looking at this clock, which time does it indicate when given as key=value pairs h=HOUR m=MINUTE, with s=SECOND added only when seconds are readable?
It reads h=11 m=27
